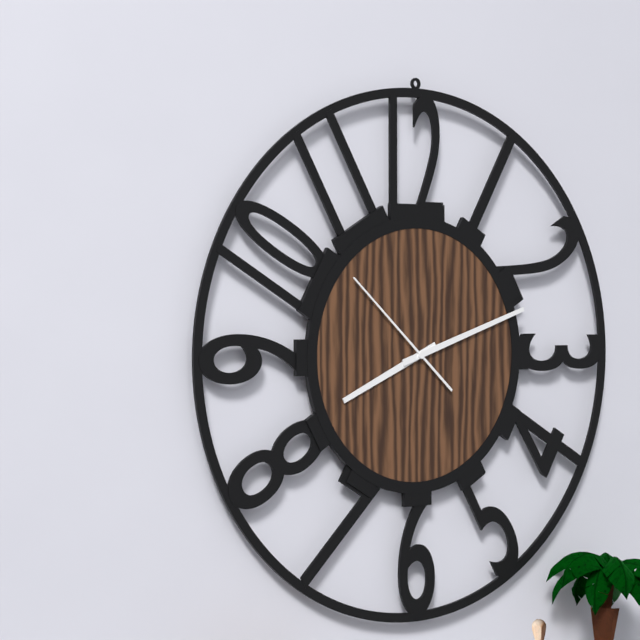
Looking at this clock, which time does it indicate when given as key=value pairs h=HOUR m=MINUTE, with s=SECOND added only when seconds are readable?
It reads h=8 m=12 s=52
